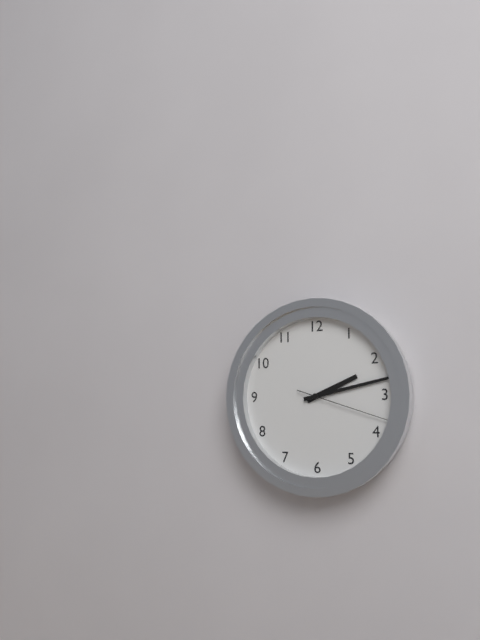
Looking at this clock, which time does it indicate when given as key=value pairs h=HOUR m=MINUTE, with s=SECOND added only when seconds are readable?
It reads h=2 m=13 s=18
